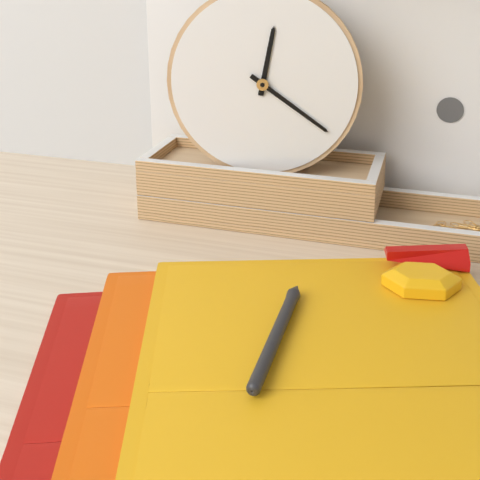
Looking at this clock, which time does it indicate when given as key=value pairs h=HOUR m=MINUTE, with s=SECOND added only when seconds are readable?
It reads h=12 m=21
